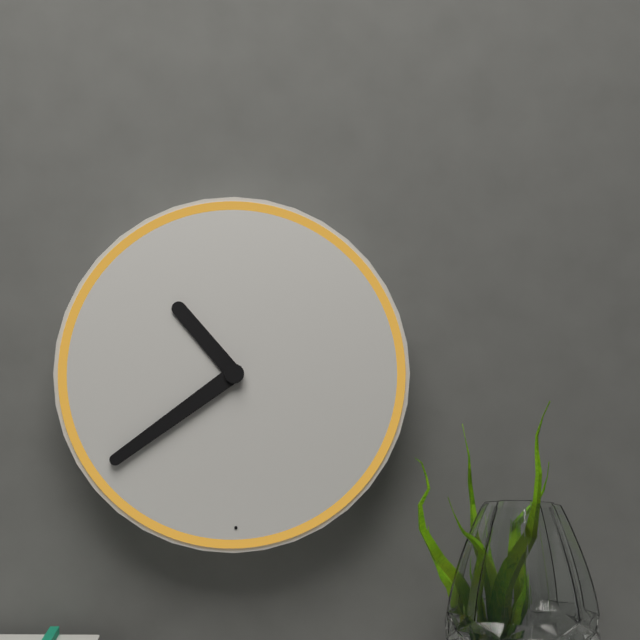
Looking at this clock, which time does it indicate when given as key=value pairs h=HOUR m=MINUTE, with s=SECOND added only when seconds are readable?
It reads h=10 m=39
